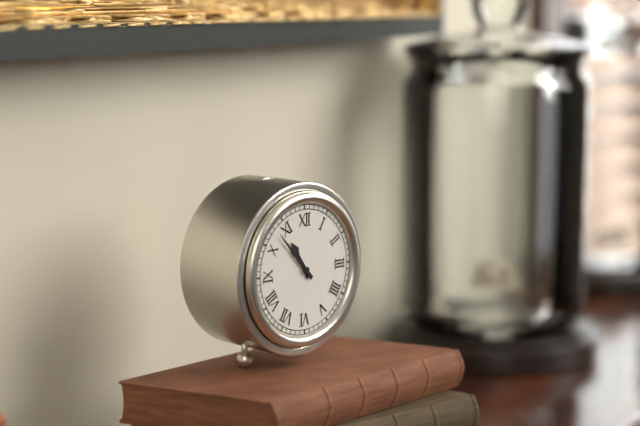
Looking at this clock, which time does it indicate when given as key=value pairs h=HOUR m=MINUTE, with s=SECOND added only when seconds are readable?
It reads h=10 m=53
